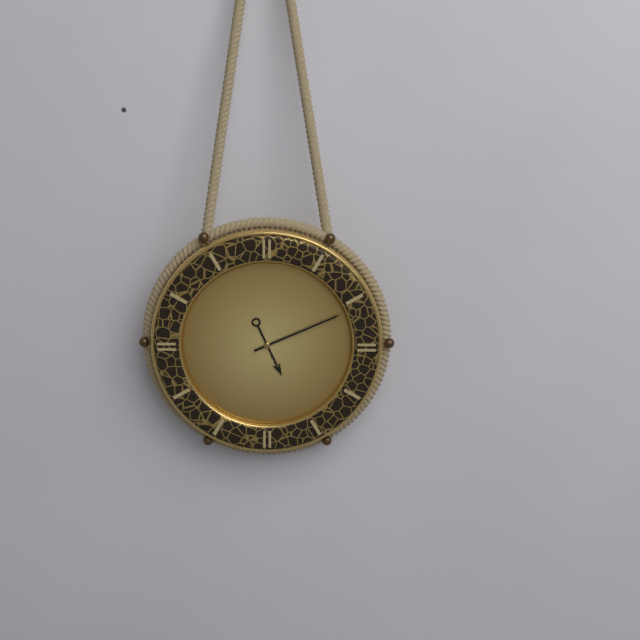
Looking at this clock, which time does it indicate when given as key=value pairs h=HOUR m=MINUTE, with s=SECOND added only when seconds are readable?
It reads h=5 m=11
